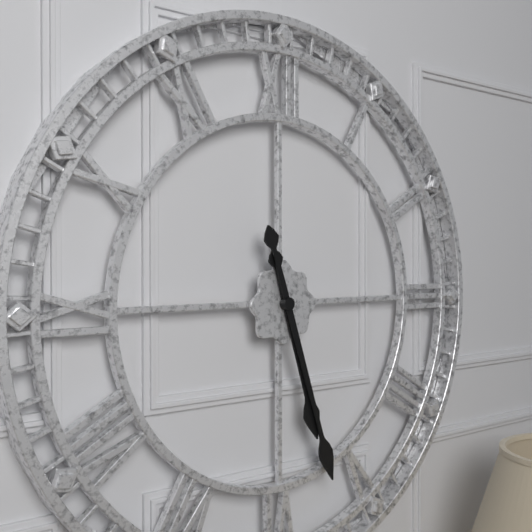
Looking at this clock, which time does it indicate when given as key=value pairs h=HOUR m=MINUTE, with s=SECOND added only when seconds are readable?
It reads h=5 m=27
